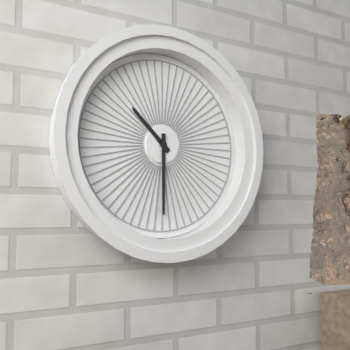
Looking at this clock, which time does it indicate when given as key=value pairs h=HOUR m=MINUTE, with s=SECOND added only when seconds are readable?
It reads h=10 m=30
